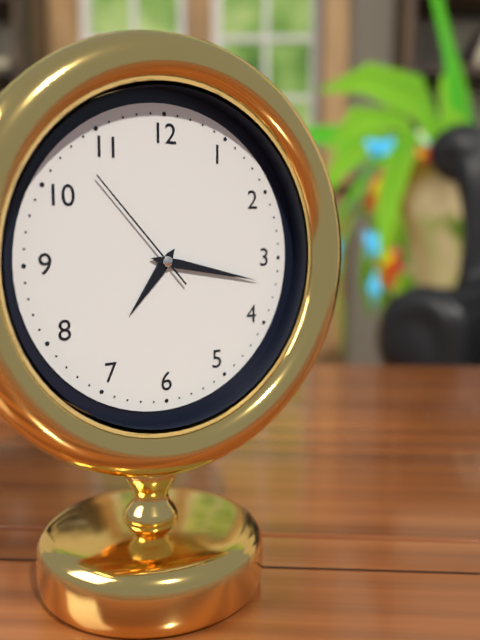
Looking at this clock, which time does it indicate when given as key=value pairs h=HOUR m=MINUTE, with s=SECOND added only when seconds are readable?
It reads h=7 m=17 s=53
